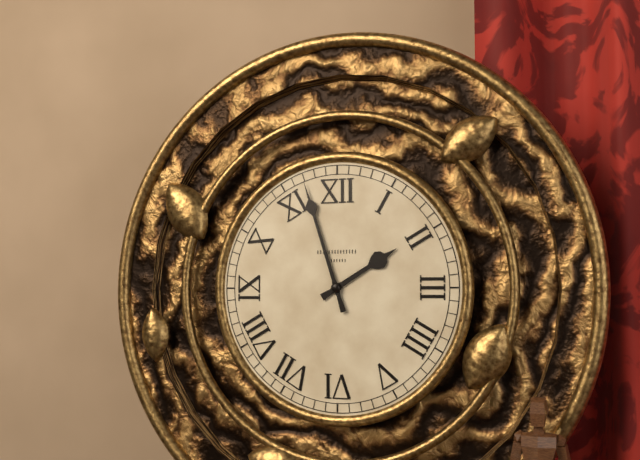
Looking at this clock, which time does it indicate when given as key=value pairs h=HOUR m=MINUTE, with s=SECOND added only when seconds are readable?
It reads h=1 m=57
